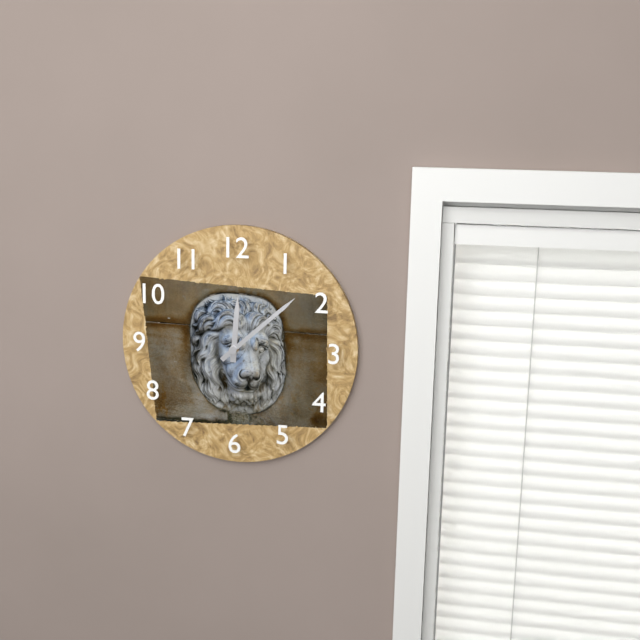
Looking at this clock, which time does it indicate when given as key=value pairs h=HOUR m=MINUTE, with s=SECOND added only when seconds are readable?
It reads h=12 m=8
